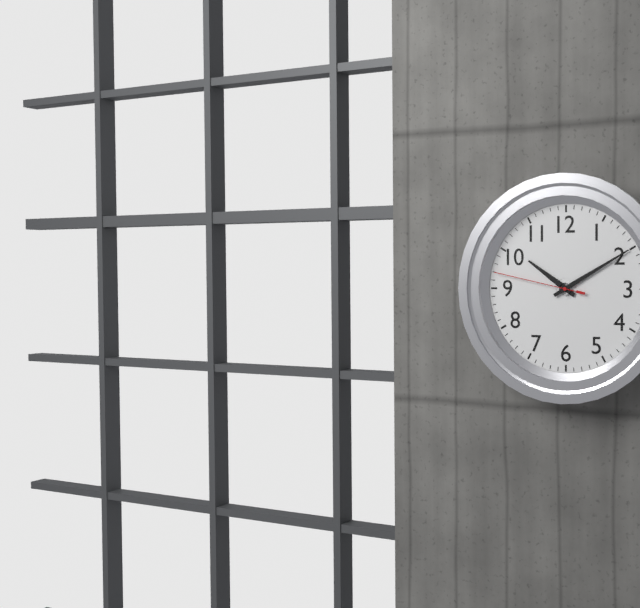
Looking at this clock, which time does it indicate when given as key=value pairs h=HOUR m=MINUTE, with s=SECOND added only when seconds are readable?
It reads h=10 m=10 s=47
